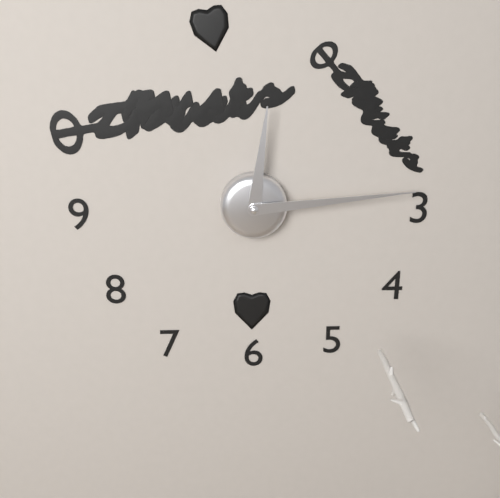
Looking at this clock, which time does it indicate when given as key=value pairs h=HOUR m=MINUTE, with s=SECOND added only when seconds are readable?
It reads h=12 m=14
